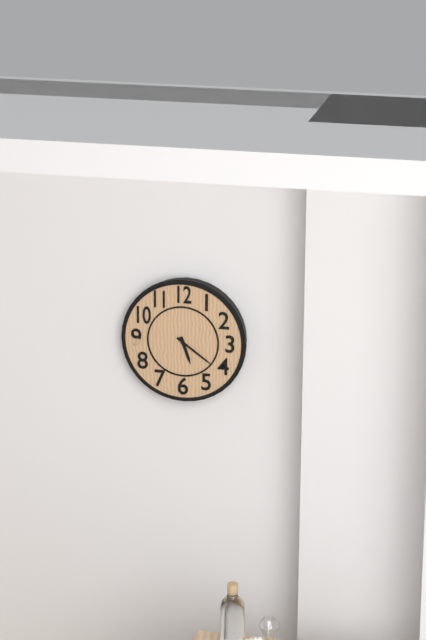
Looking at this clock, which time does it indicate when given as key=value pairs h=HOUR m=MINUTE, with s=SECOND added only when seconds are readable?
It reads h=5 m=21
